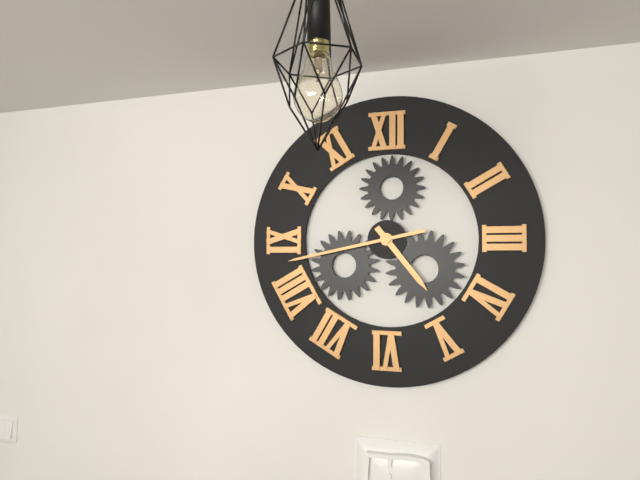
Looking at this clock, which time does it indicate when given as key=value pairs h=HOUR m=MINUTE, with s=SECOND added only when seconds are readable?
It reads h=4 m=43
